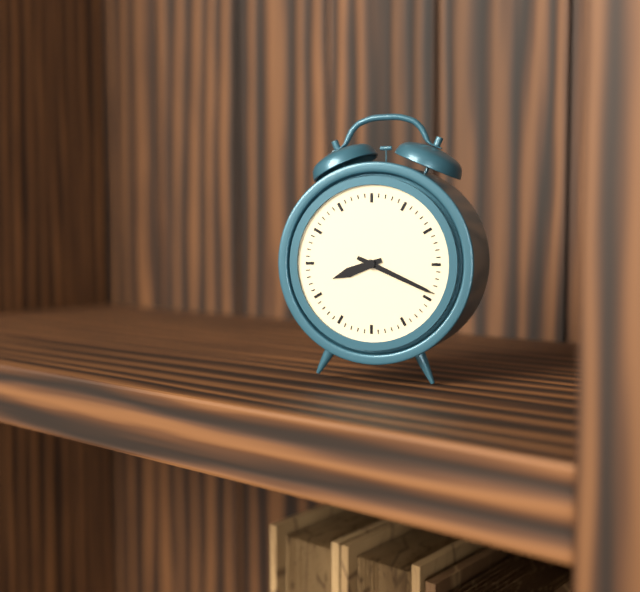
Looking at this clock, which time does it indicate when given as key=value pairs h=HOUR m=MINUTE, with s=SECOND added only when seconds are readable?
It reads h=8 m=19
